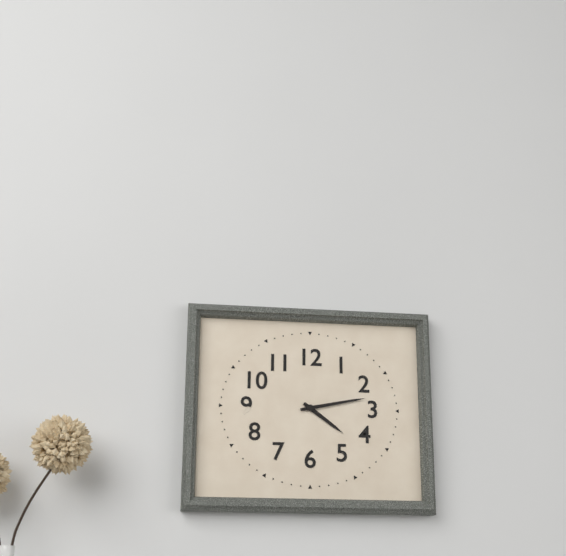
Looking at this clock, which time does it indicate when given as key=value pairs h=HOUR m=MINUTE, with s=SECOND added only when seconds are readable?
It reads h=4 m=13
